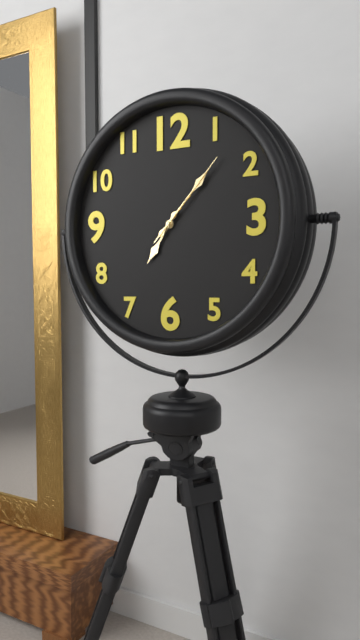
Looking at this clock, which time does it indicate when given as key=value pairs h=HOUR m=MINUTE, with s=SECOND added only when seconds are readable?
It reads h=7 m=7 s=7
